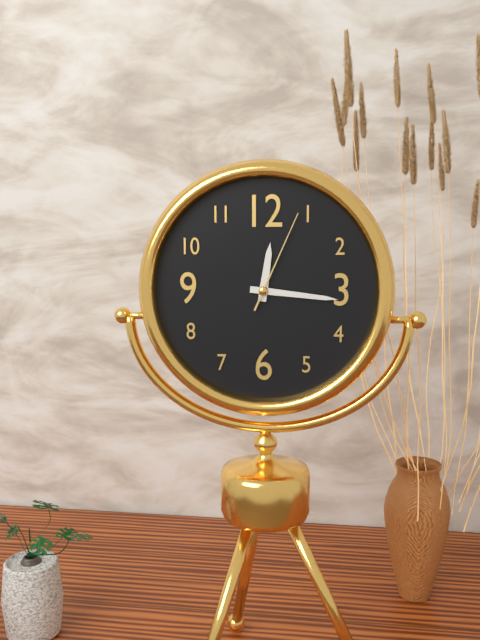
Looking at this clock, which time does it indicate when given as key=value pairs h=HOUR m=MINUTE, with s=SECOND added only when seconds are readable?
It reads h=12 m=16 s=4
